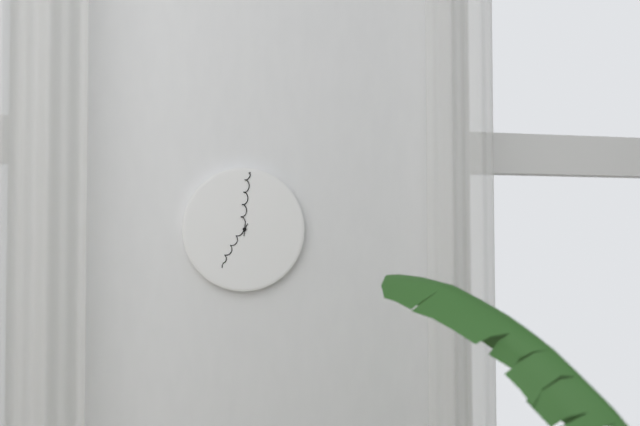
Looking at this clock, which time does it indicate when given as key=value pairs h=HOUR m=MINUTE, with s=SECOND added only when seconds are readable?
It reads h=7 m=1
